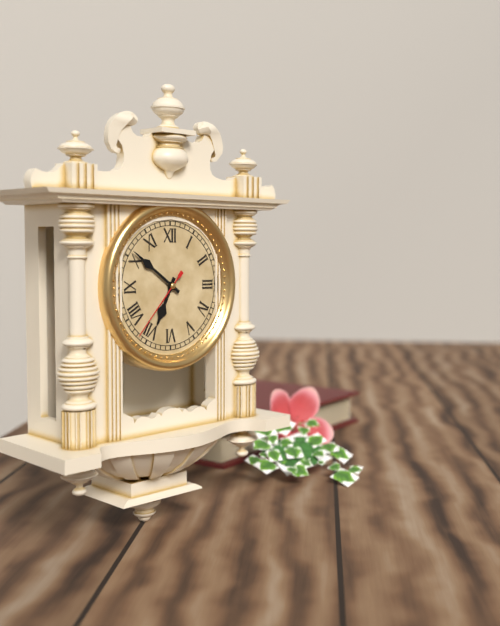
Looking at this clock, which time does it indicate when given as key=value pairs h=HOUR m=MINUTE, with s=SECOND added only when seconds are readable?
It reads h=6 m=51 s=37
